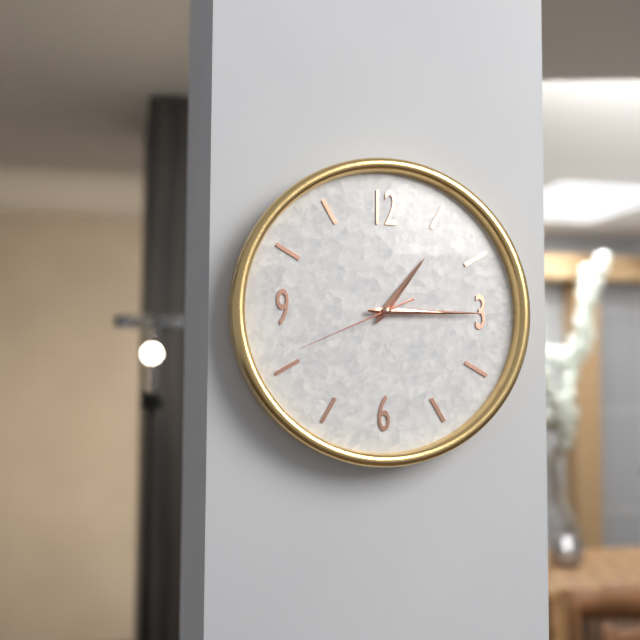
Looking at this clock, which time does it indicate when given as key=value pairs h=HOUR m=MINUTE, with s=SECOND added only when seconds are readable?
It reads h=1 m=15 s=41
